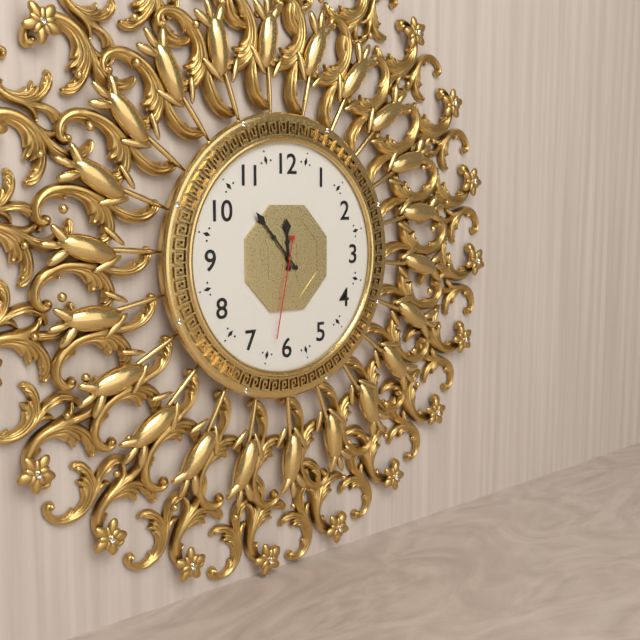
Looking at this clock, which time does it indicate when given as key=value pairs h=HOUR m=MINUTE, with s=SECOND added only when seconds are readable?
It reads h=11 m=53 s=32
